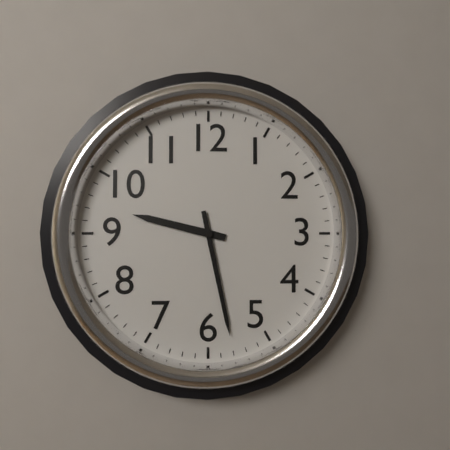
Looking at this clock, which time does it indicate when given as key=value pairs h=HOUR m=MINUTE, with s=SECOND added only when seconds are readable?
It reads h=9 m=28
